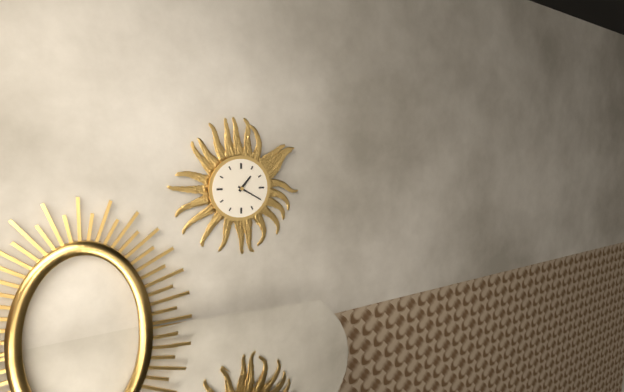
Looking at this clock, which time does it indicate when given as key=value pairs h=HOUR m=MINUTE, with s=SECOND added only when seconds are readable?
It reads h=1 m=20
